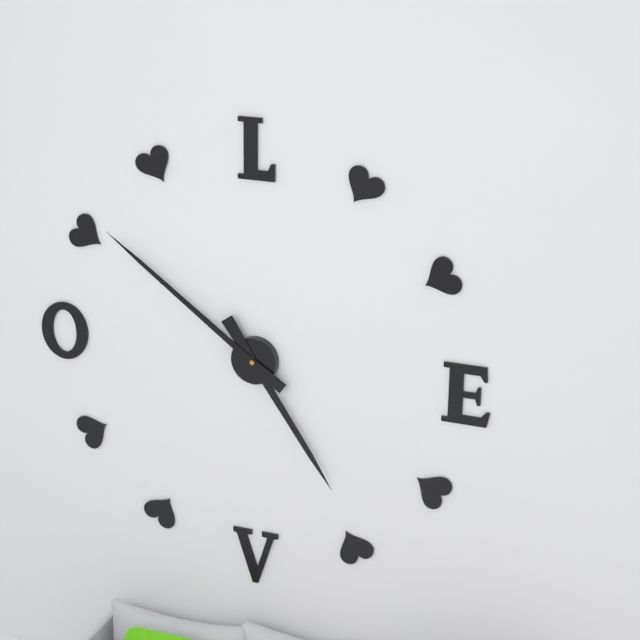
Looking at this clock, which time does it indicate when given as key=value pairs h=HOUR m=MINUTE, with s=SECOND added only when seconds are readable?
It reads h=4 m=51
